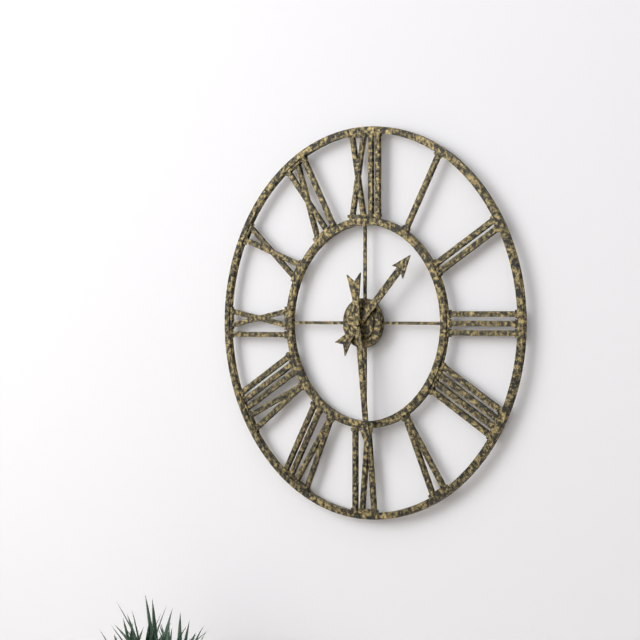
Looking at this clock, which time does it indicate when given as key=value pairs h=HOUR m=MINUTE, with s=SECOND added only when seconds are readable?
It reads h=1 m=29
